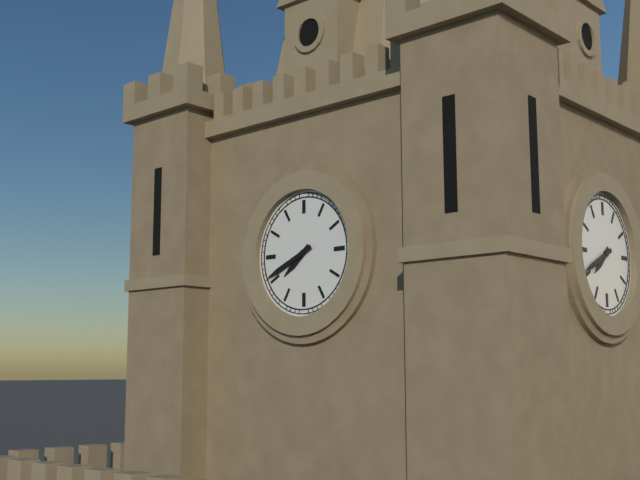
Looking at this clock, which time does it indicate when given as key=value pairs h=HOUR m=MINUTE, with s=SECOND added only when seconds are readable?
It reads h=7 m=41
